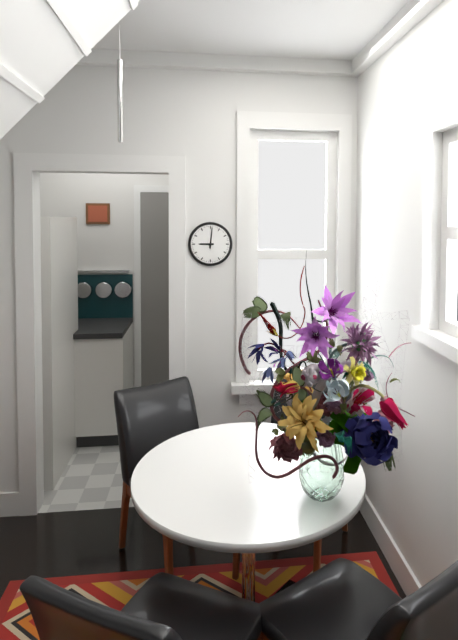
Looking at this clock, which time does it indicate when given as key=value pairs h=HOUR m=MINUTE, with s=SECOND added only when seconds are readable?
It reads h=9 m=1
